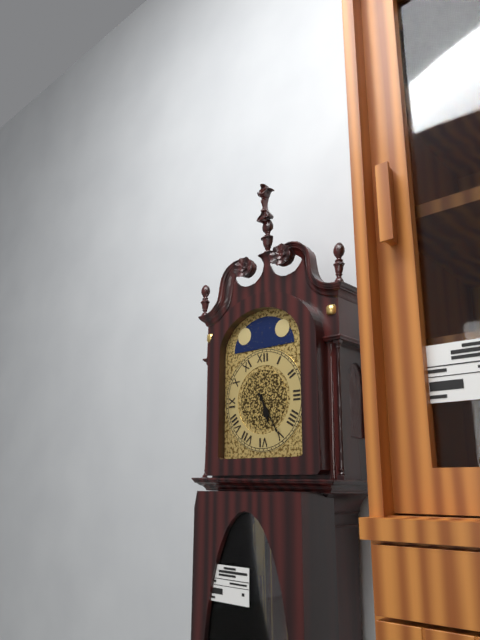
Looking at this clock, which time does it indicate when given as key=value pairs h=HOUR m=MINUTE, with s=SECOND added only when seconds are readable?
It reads h=5 m=25
